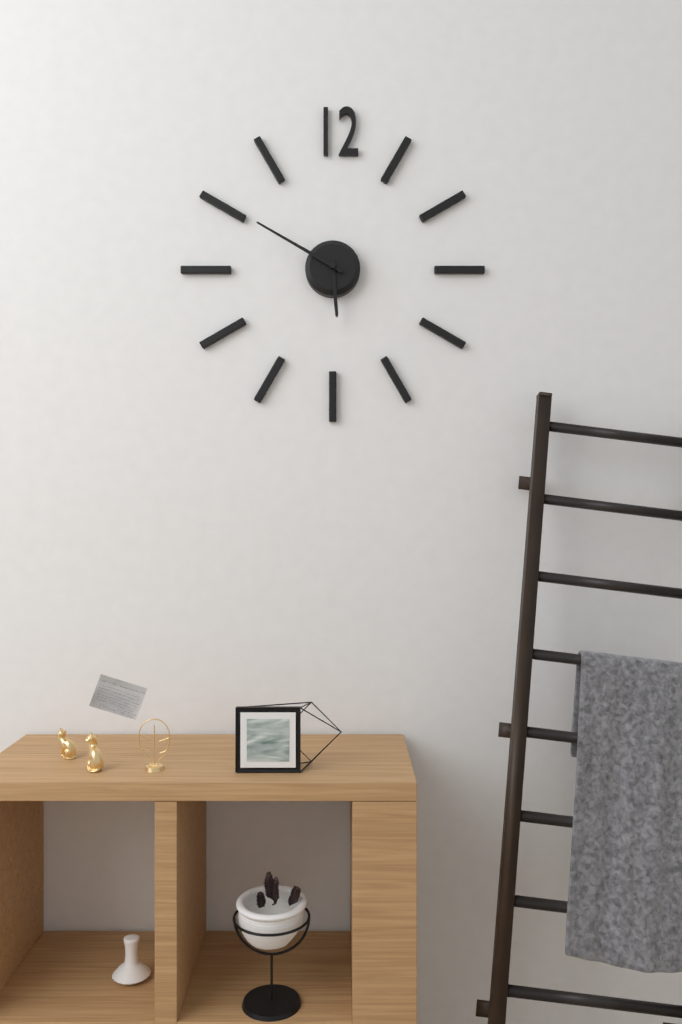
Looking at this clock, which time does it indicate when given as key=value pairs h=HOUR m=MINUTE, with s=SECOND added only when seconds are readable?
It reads h=5 m=50
